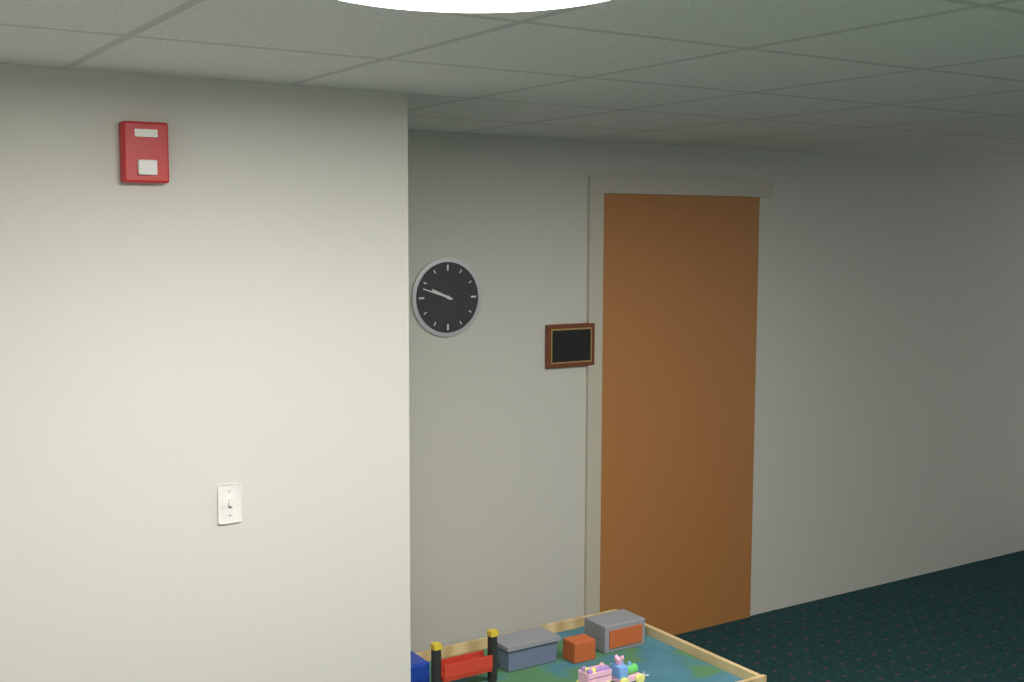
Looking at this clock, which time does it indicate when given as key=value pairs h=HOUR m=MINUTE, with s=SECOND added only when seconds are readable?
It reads h=9 m=48
